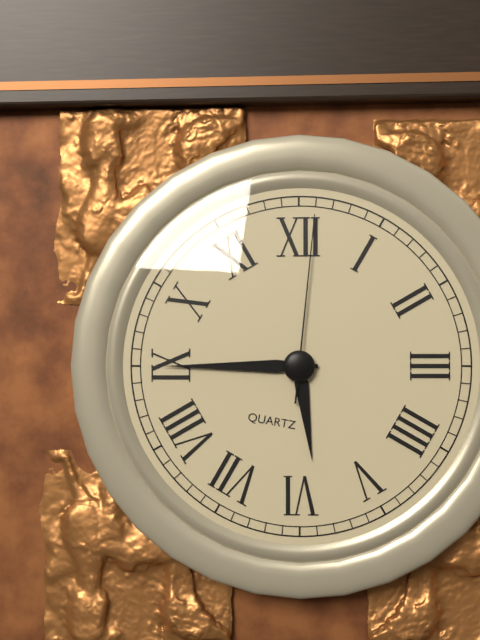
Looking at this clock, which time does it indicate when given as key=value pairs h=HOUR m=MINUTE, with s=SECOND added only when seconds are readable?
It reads h=5 m=45 s=1
